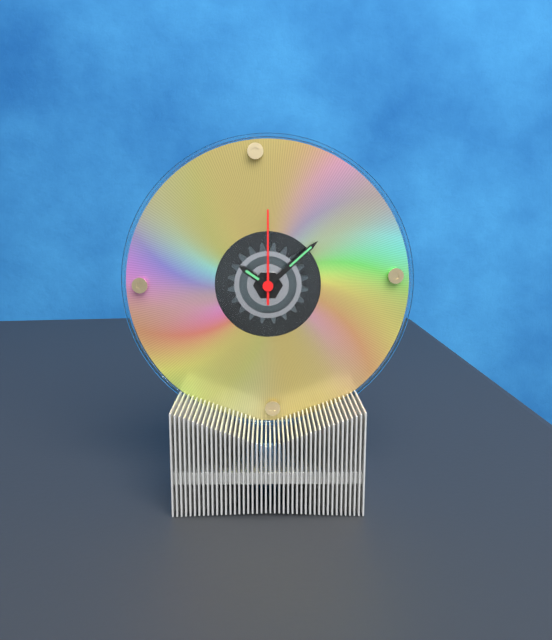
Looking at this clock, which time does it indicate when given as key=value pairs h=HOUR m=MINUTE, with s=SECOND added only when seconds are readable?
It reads h=10 m=8 s=0
